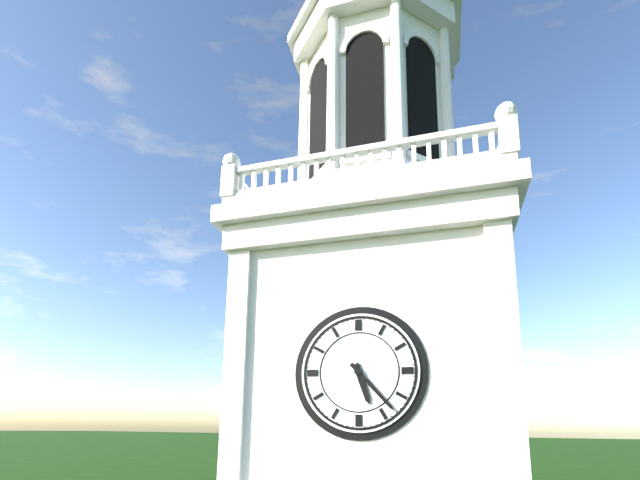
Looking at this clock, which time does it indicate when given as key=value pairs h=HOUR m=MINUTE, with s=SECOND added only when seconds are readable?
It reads h=5 m=23
